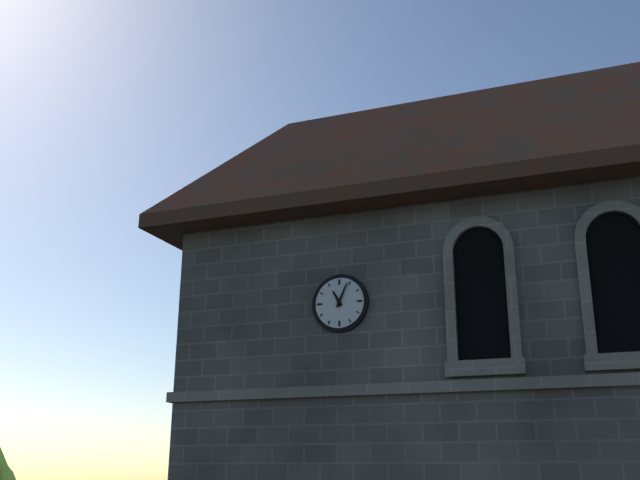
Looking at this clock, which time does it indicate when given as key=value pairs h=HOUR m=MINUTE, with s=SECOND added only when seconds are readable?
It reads h=11 m=4
